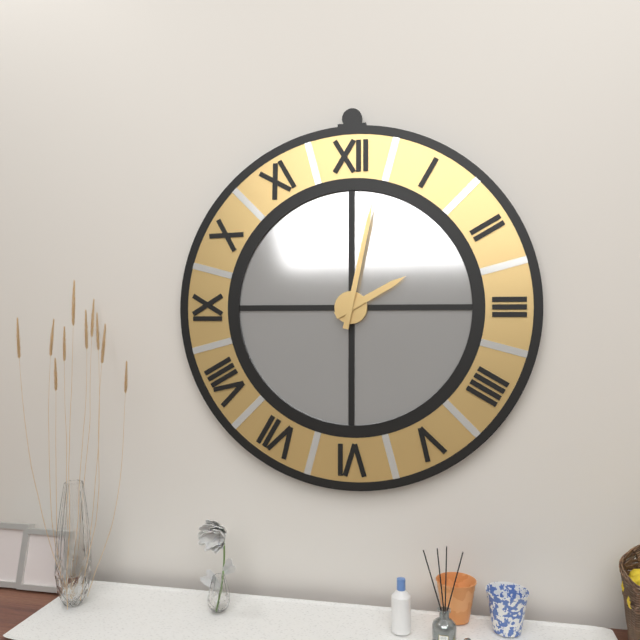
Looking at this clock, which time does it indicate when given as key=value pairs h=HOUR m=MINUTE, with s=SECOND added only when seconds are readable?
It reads h=2 m=2
